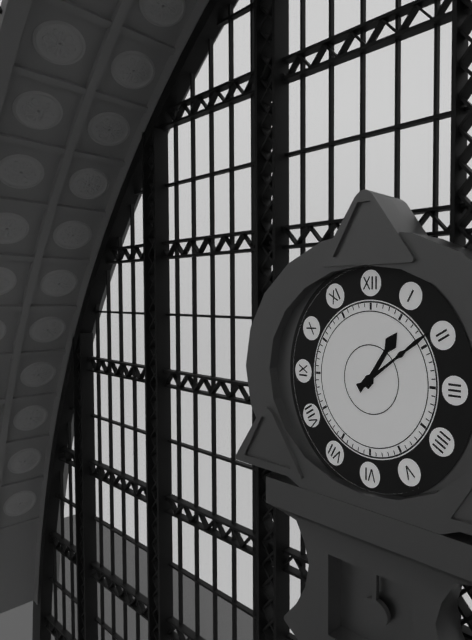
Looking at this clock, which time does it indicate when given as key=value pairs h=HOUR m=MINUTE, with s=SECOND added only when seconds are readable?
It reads h=1 m=9
